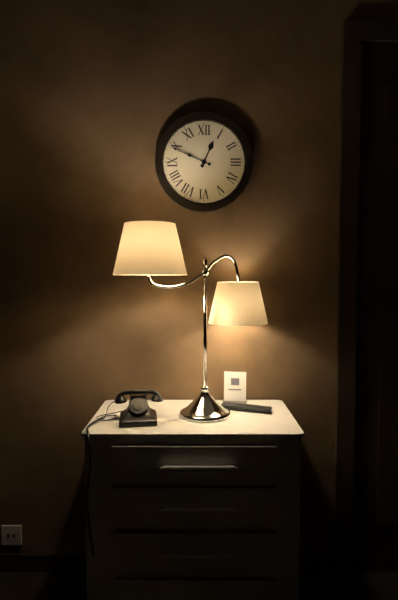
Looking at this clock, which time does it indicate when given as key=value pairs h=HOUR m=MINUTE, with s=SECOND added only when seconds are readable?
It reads h=12 m=49
